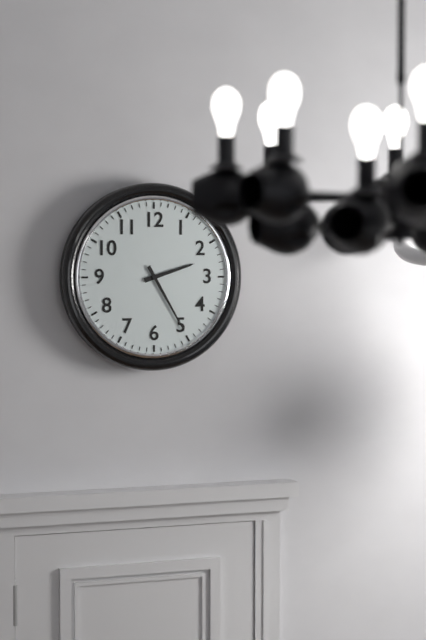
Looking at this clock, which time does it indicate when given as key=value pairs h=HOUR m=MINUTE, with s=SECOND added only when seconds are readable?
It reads h=2 m=25
